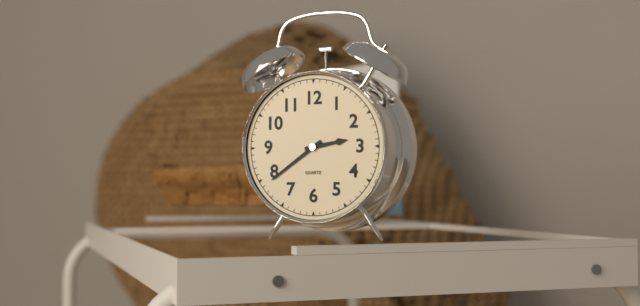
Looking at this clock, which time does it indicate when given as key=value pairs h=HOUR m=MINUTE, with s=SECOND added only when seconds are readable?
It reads h=2 m=39
